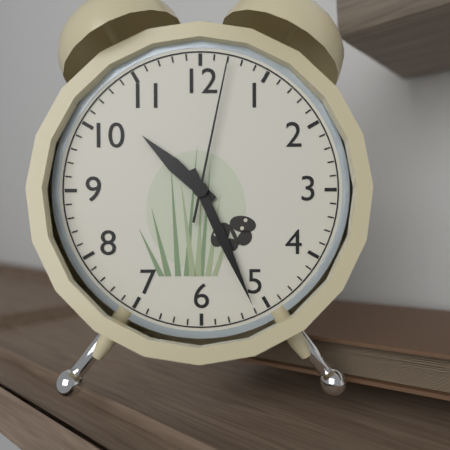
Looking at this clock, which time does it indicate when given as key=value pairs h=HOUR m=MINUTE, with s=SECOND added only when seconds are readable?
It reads h=10 m=26 s=2
